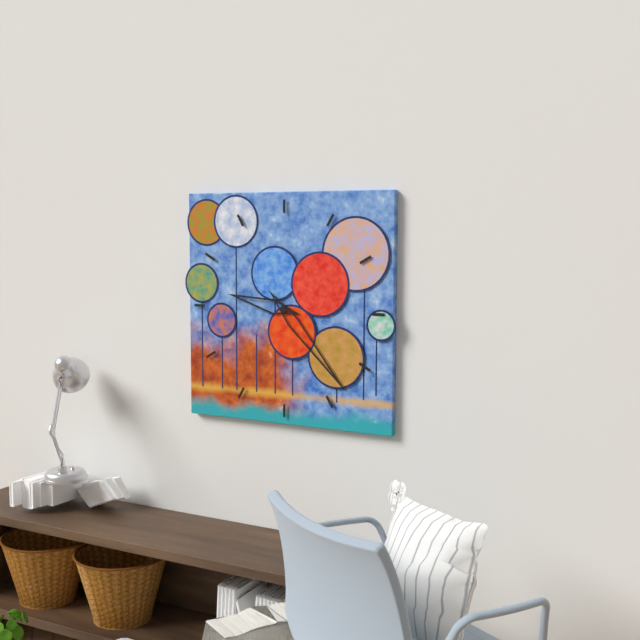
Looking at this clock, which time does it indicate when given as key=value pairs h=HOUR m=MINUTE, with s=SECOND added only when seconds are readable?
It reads h=9 m=23
